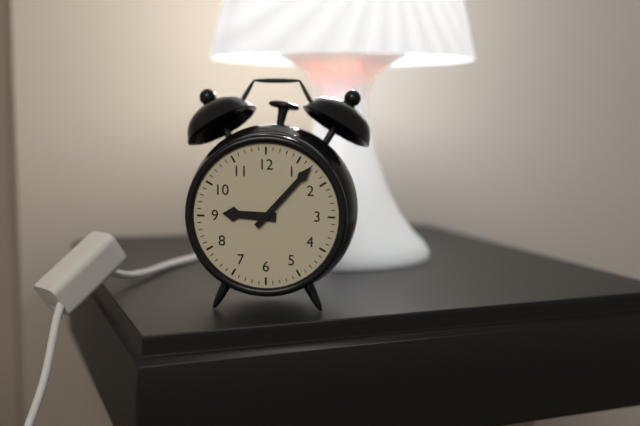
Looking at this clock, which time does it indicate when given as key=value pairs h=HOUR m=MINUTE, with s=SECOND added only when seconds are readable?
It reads h=9 m=7
